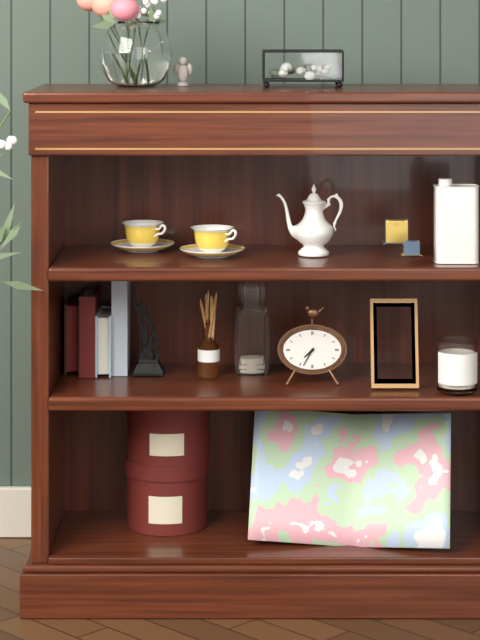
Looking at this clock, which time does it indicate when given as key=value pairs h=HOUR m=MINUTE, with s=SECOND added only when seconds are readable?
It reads h=7 m=35
